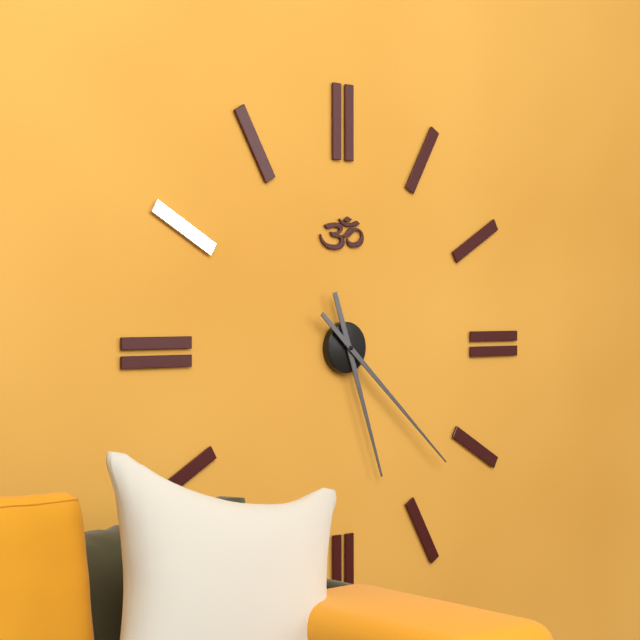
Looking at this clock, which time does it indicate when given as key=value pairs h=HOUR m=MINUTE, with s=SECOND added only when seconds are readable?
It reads h=5 m=22
